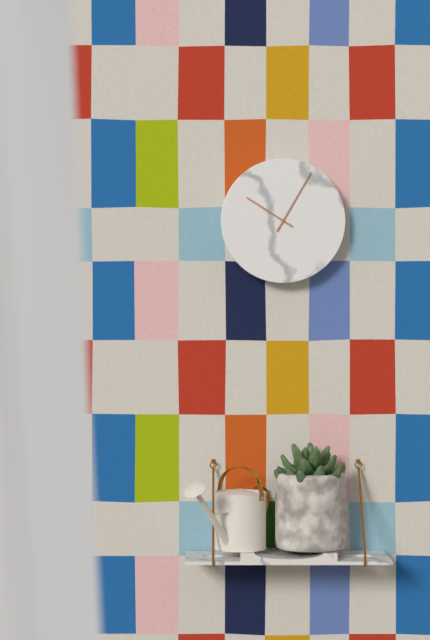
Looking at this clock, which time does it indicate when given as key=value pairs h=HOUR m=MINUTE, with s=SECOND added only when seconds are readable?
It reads h=10 m=5
